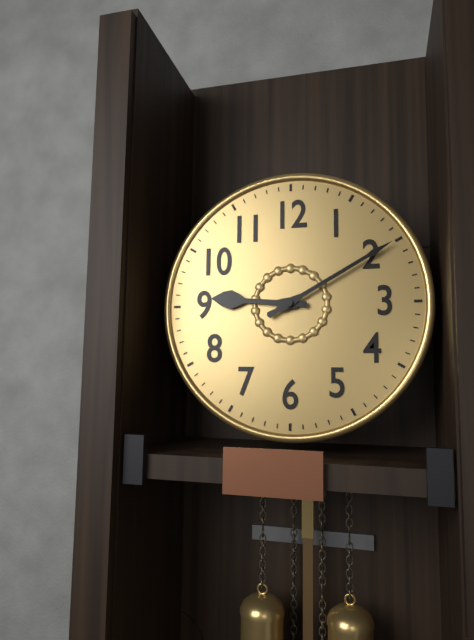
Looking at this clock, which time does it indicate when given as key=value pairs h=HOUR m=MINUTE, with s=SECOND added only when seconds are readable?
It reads h=9 m=10
